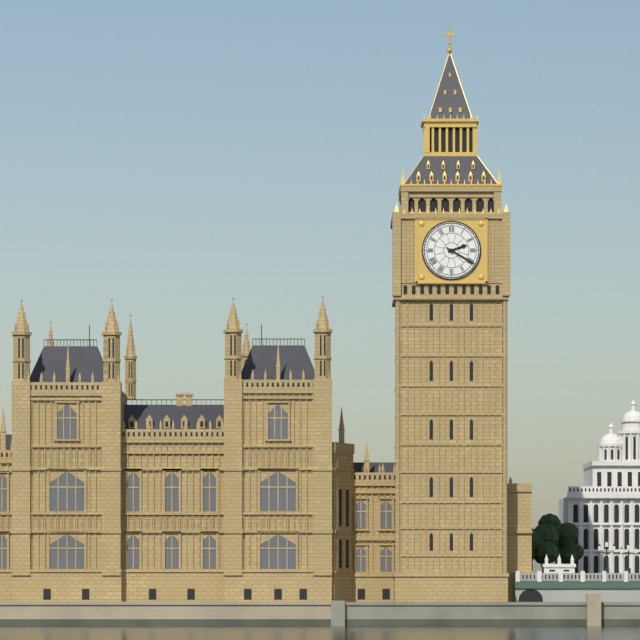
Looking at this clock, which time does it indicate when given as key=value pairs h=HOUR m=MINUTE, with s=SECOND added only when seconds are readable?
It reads h=2 m=20
